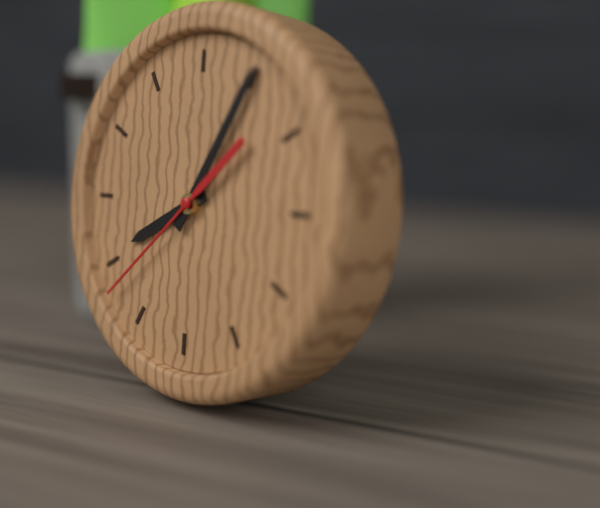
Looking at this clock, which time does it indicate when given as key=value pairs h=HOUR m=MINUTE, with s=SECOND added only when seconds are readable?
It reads h=8 m=5 s=38
